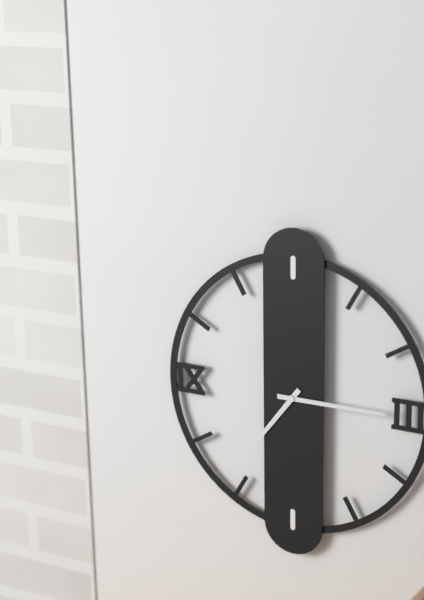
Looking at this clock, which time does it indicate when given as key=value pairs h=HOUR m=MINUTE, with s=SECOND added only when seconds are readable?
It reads h=7 m=15
